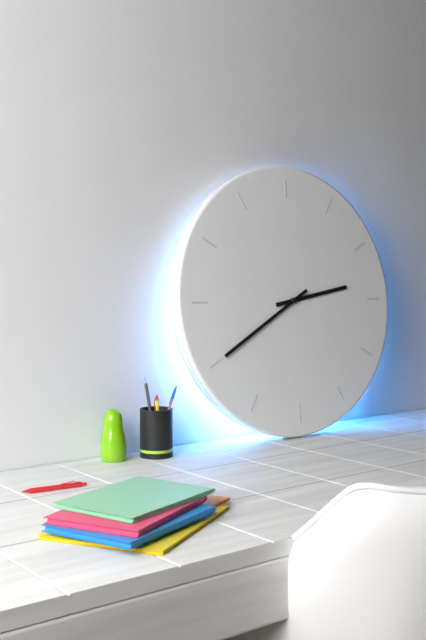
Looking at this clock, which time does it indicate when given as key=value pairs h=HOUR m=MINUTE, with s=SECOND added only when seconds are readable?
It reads h=2 m=40
